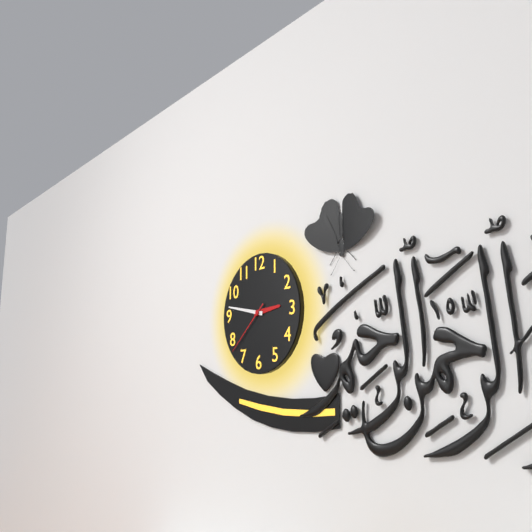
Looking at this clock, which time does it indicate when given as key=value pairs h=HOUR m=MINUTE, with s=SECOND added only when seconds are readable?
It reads h=2 m=47 s=38
